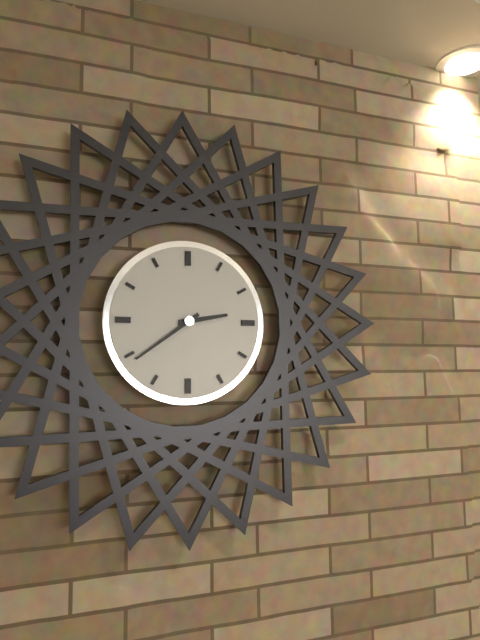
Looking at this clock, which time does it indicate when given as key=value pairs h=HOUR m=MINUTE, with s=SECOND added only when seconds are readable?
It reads h=2 m=39
